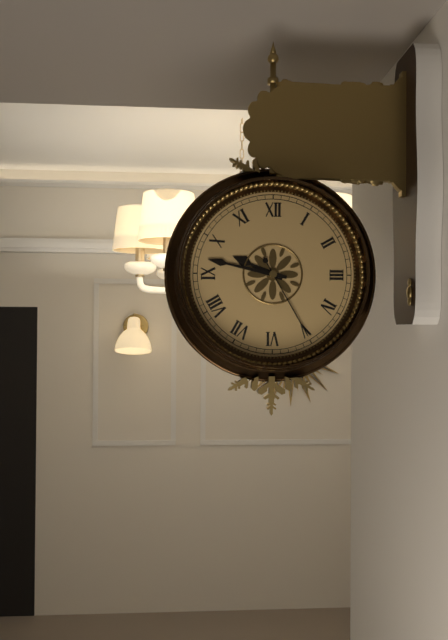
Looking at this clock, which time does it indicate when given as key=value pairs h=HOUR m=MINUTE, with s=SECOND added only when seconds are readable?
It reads h=9 m=47 s=25
